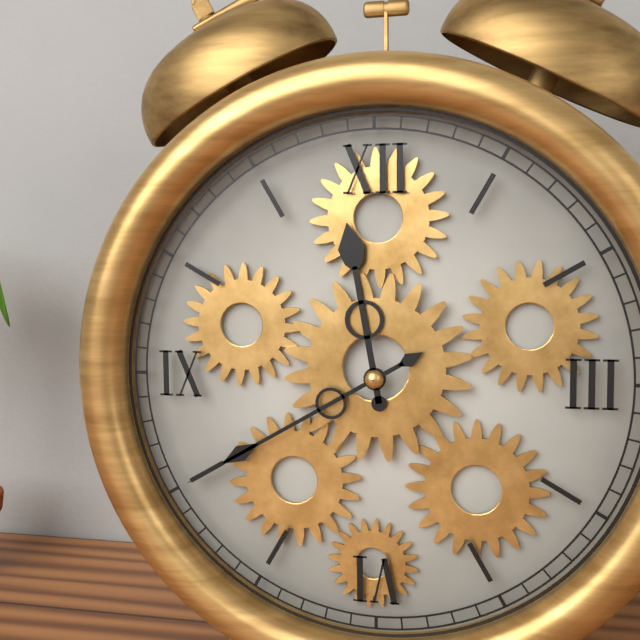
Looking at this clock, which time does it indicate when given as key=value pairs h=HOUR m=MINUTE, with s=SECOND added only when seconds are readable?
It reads h=11 m=40
